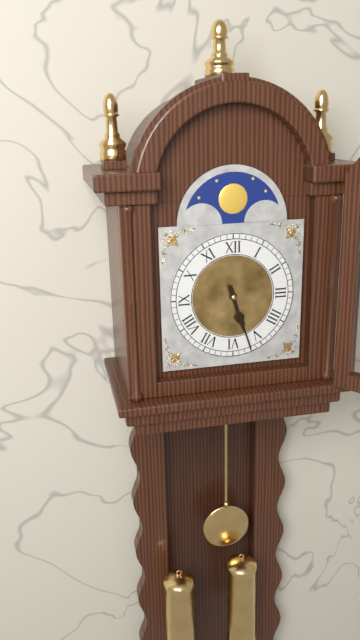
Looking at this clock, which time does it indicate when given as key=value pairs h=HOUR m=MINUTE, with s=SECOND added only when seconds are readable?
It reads h=5 m=27
